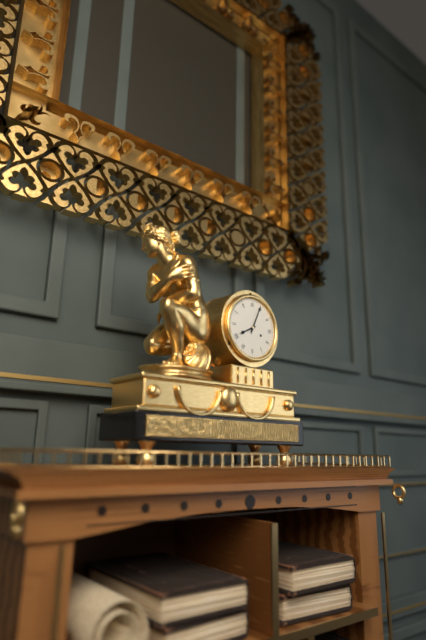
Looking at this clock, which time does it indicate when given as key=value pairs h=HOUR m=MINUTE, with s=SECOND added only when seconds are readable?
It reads h=8 m=4
